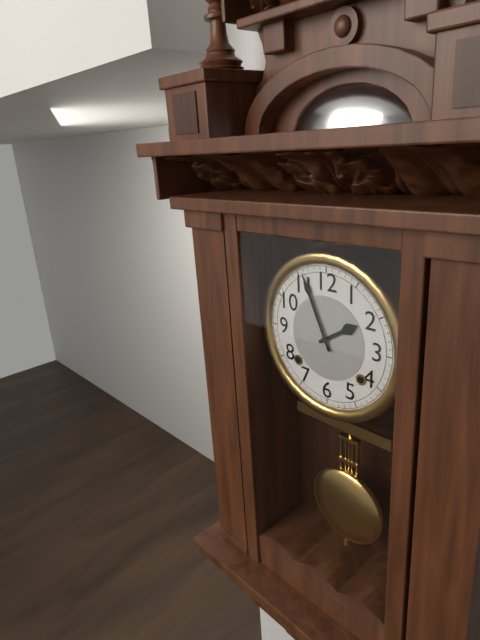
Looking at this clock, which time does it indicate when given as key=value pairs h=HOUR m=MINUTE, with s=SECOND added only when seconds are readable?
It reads h=1 m=56
